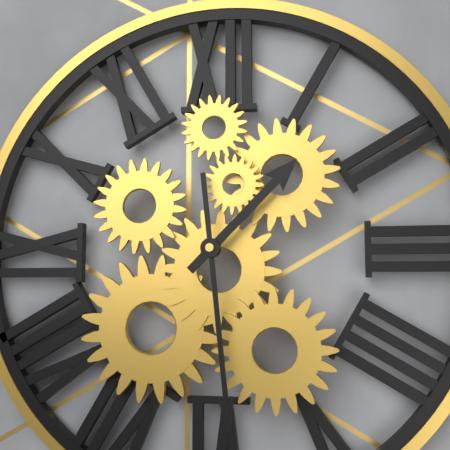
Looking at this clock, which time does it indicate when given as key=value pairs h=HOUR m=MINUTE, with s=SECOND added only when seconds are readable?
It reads h=1 m=29
